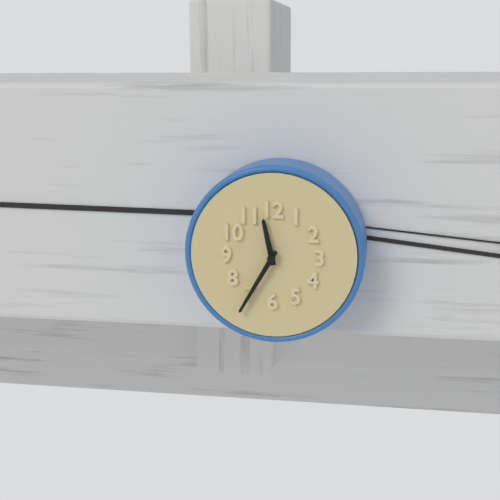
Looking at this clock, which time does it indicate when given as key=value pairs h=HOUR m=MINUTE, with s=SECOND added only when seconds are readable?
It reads h=11 m=35
